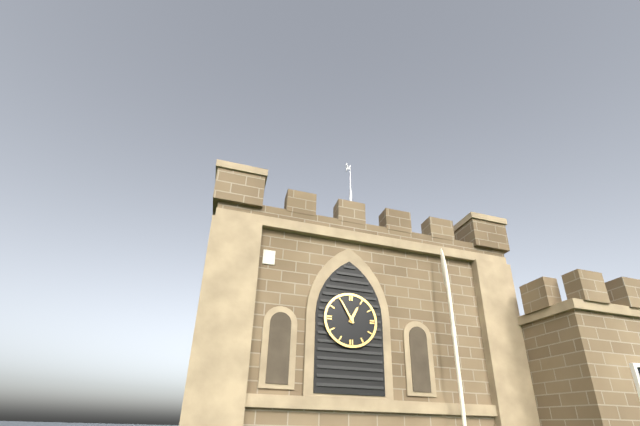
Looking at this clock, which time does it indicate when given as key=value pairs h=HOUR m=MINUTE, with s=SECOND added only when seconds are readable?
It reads h=12 m=55
